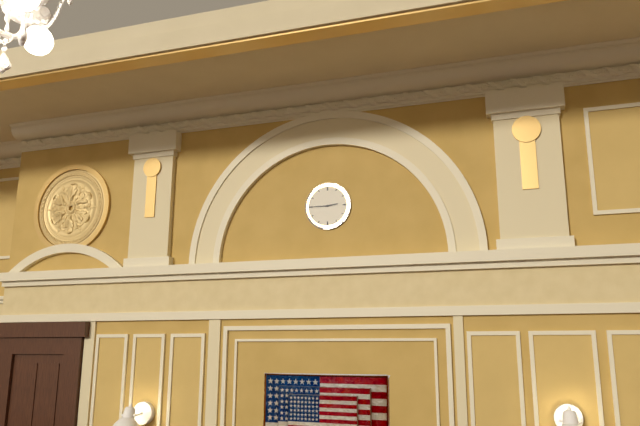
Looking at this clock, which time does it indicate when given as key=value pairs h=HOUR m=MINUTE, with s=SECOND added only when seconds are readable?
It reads h=2 m=45
